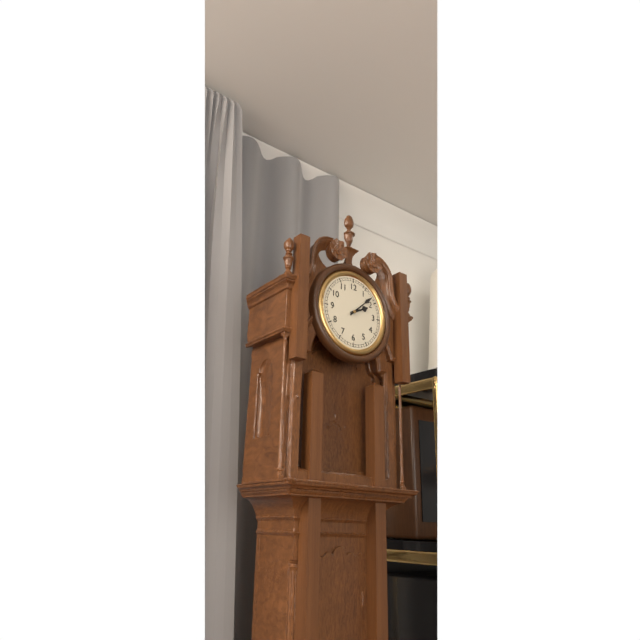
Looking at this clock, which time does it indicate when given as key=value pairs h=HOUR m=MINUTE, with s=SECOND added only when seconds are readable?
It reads h=2 m=8
